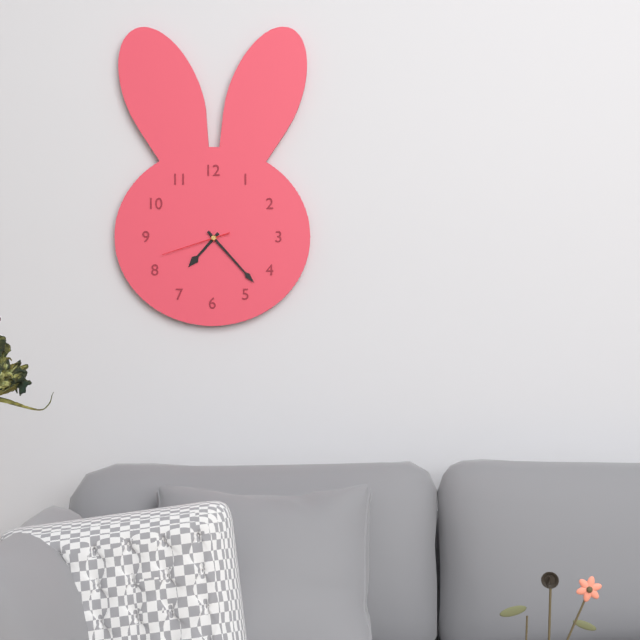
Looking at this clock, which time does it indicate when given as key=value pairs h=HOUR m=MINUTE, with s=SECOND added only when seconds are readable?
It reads h=7 m=23 s=42
